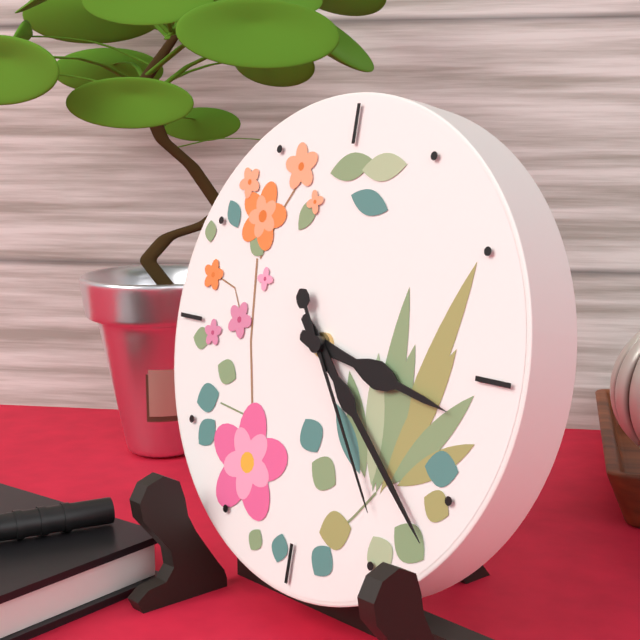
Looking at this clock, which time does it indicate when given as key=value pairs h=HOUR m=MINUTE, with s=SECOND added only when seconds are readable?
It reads h=3 m=22 s=24
